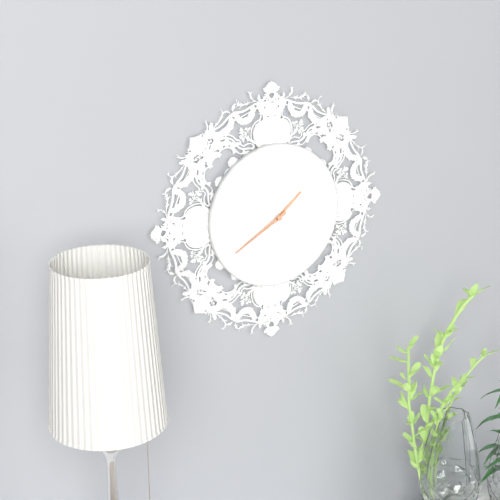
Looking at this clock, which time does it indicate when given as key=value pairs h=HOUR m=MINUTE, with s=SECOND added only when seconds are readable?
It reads h=1 m=40
